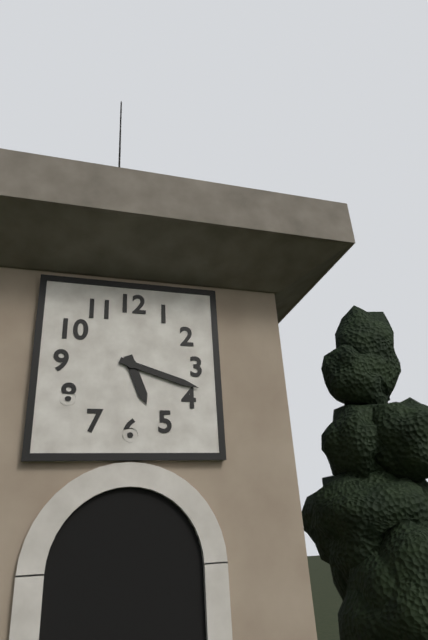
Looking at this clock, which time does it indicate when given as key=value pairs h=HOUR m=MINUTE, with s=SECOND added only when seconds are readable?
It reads h=5 m=18
